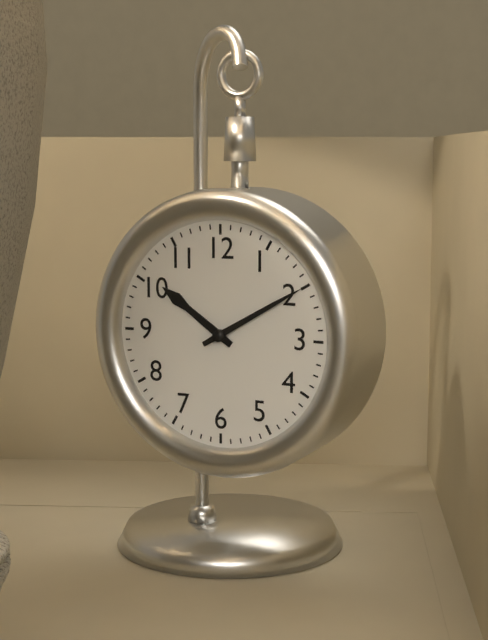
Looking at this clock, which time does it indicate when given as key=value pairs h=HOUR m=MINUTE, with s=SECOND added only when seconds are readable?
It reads h=10 m=10
